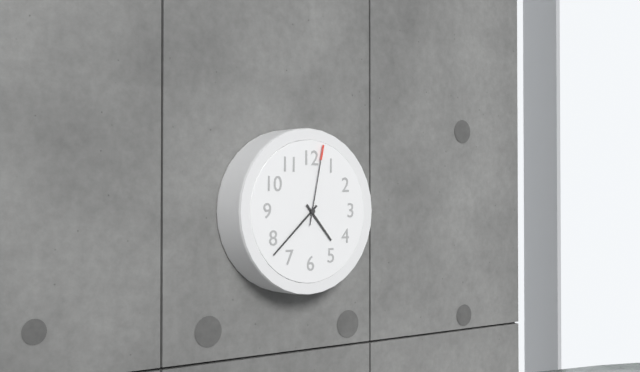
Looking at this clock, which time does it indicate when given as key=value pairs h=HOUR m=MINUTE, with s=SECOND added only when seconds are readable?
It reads h=4 m=38 s=2
